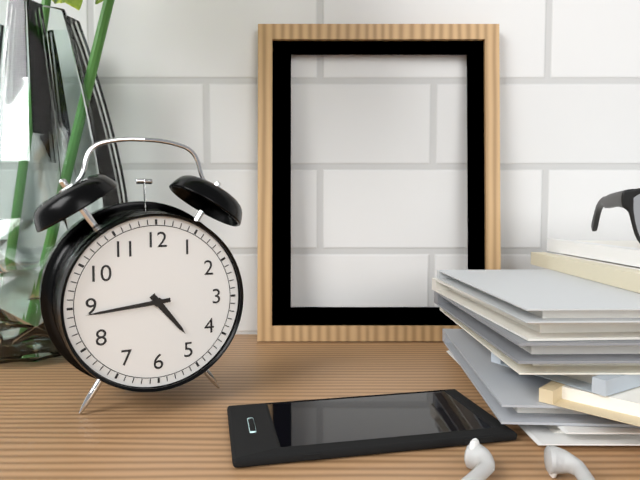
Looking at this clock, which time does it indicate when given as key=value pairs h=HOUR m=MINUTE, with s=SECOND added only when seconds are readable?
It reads h=4 m=44
